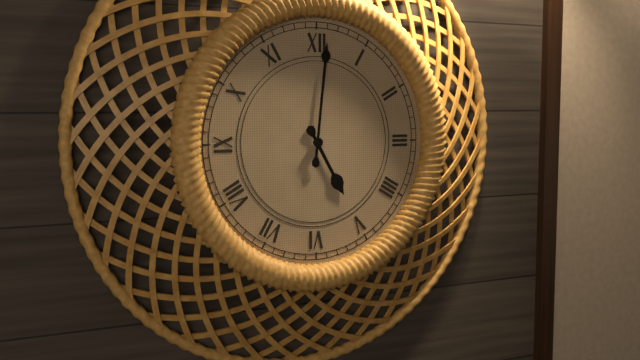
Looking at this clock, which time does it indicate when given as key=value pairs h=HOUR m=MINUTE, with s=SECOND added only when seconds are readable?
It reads h=5 m=1
